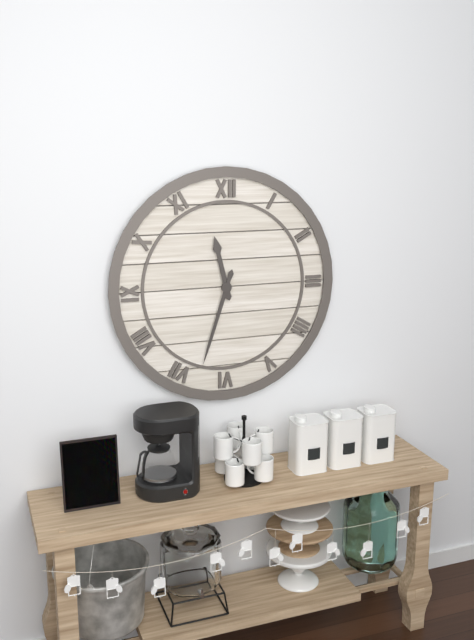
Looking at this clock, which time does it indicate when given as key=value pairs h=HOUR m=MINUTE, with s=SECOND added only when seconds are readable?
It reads h=11 m=33
